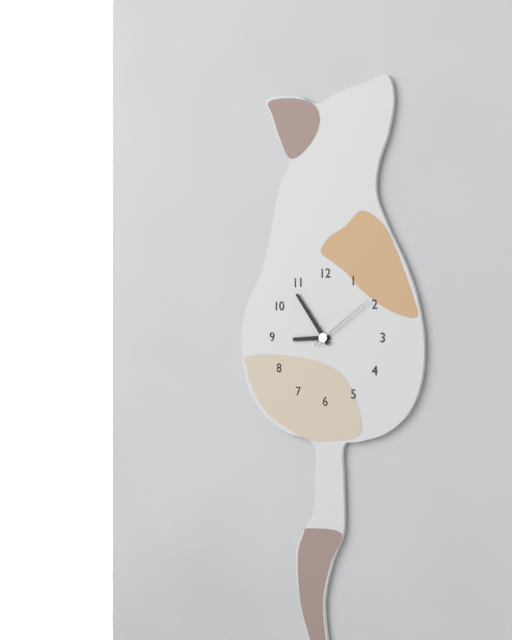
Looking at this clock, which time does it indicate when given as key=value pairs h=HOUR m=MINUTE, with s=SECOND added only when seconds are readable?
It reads h=8 m=54 s=9
